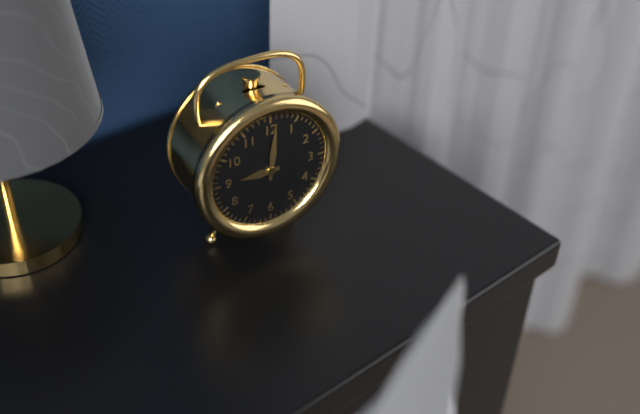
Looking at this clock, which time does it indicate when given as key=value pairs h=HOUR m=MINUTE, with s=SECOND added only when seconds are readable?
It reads h=9 m=1
